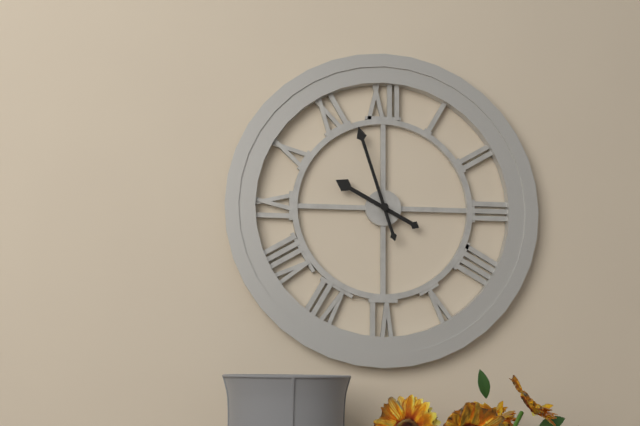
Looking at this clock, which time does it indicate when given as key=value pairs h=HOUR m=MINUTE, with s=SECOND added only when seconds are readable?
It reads h=9 m=57
